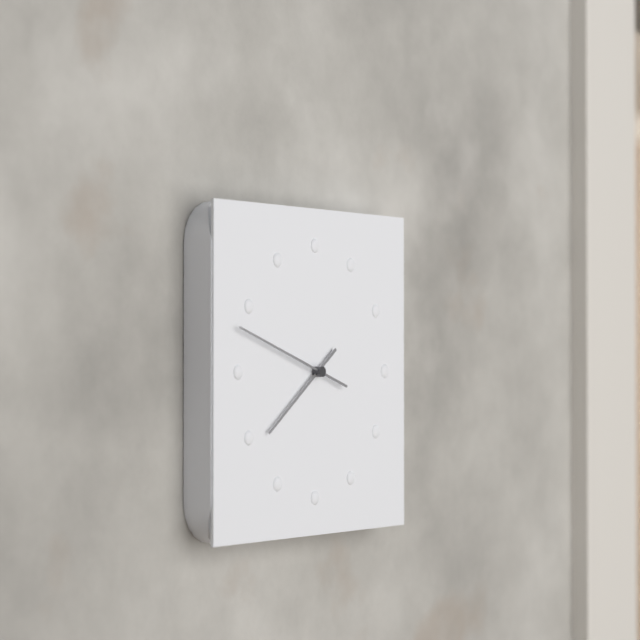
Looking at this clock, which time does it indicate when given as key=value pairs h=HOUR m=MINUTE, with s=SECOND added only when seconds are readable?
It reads h=7 m=48
